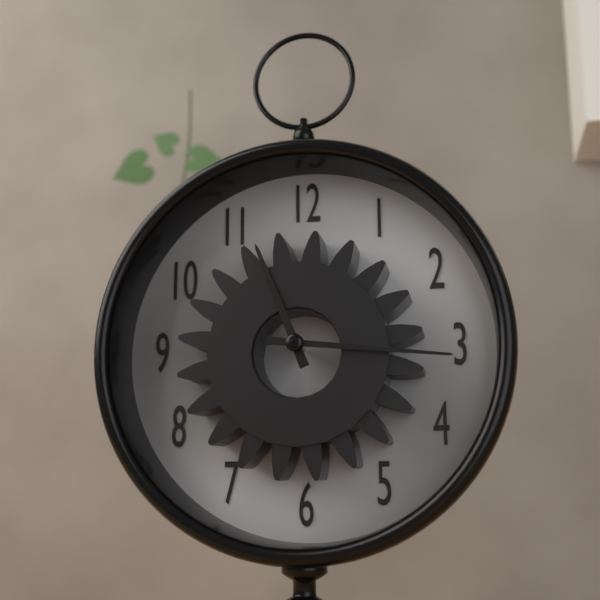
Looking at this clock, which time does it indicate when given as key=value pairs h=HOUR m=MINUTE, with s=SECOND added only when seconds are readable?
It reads h=11 m=16
